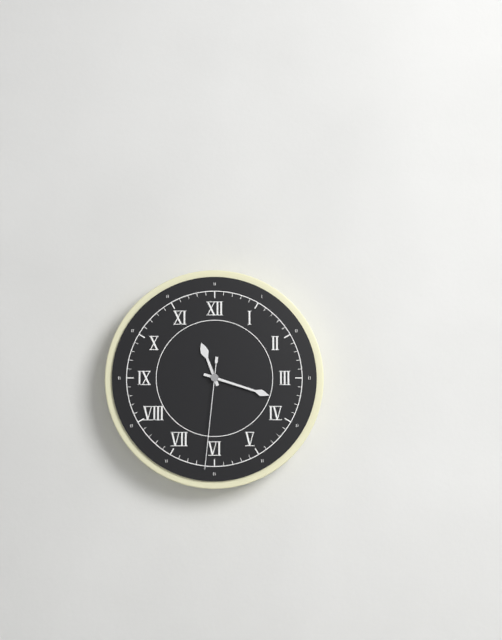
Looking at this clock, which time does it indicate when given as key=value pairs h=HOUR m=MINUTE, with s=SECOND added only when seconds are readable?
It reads h=11 m=18 s=31
